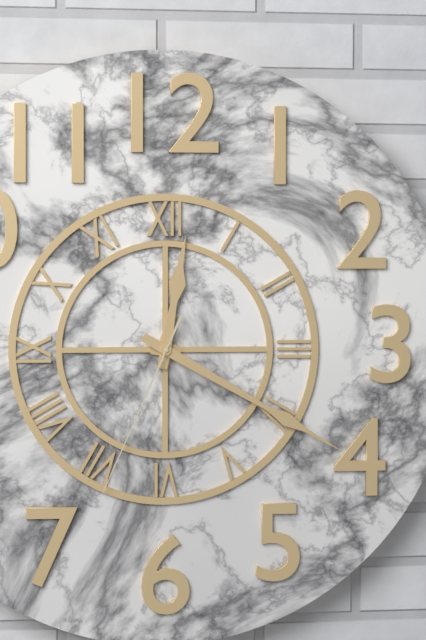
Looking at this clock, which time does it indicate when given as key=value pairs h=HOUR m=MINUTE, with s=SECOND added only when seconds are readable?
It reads h=12 m=20 s=34
